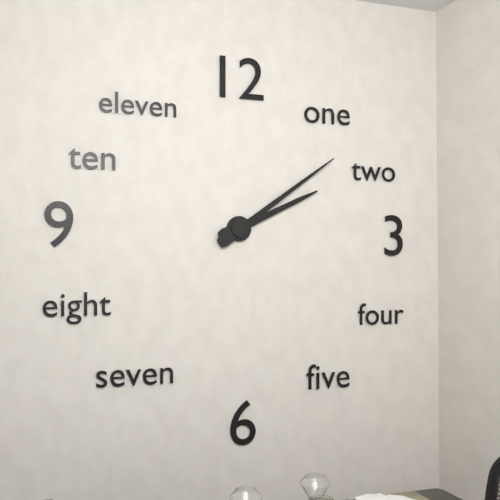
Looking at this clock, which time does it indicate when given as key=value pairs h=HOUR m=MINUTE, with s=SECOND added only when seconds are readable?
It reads h=2 m=9
